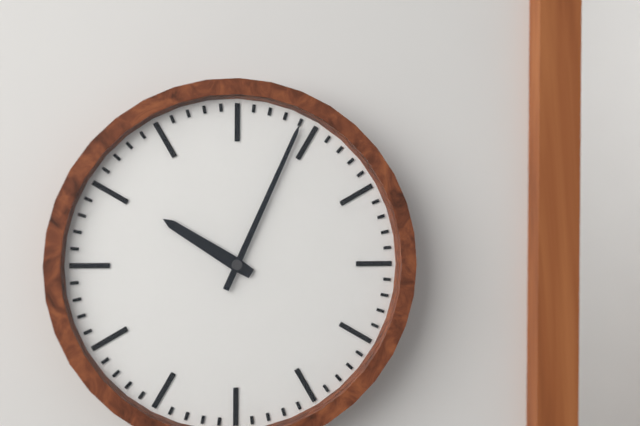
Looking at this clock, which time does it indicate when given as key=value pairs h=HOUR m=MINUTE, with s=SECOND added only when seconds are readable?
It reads h=10 m=4
